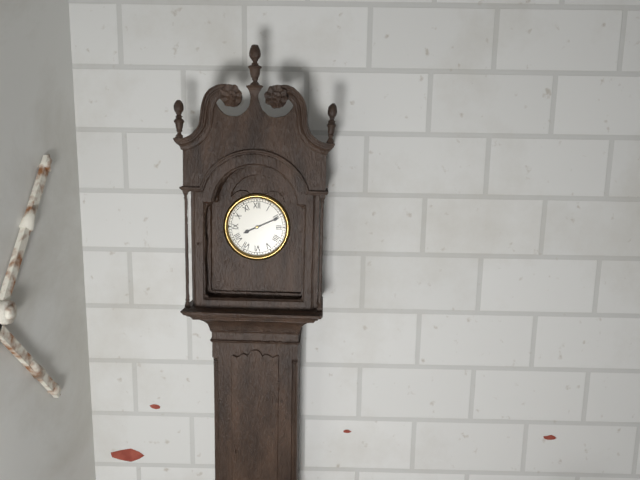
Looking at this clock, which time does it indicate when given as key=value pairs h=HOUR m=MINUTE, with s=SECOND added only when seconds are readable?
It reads h=8 m=11
